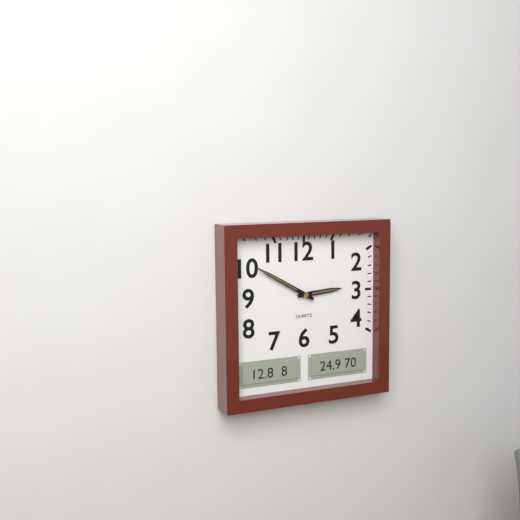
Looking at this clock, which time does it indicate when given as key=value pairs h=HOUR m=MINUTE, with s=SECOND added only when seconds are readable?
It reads h=2 m=50
